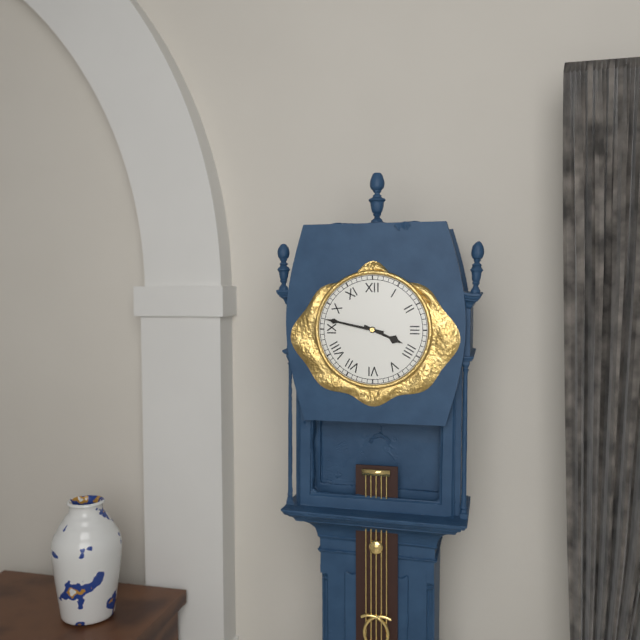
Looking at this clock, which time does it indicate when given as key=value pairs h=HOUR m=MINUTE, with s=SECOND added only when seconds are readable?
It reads h=3 m=47
